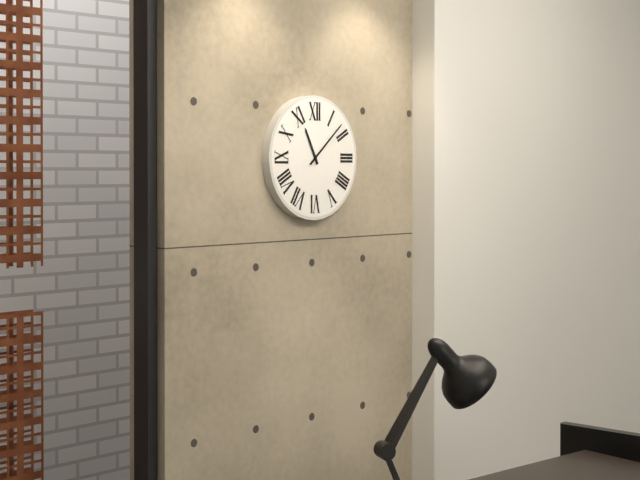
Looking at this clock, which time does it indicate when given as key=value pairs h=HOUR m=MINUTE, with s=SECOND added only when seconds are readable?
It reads h=11 m=8
